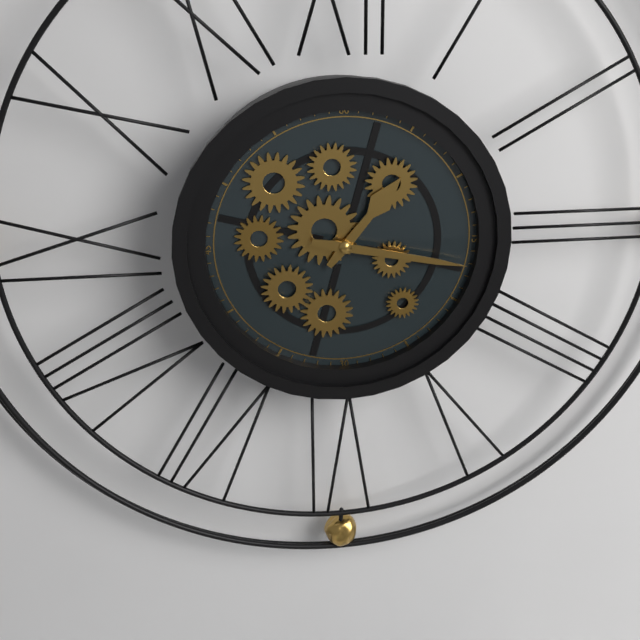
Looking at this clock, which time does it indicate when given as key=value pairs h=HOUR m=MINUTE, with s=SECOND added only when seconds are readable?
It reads h=1 m=17
